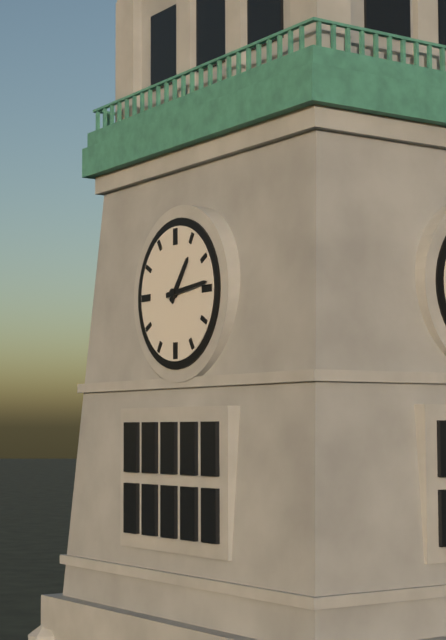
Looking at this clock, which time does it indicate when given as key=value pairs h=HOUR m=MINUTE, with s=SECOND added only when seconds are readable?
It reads h=1 m=14
